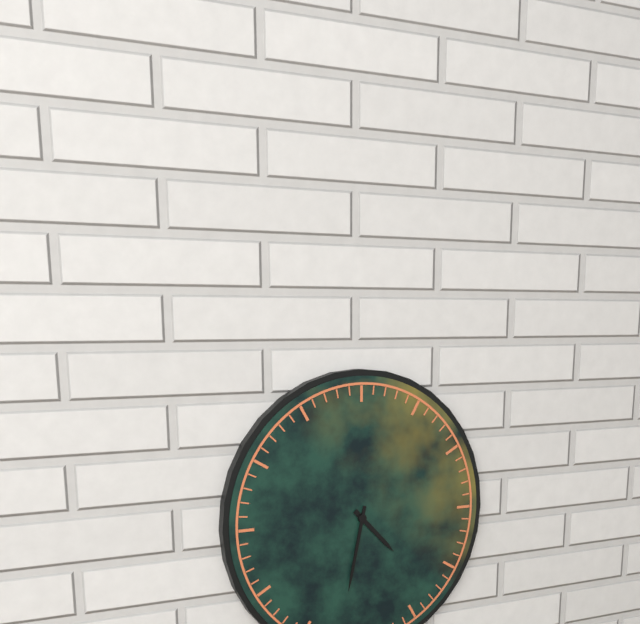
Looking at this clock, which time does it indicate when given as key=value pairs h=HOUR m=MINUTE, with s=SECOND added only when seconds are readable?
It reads h=4 m=32
